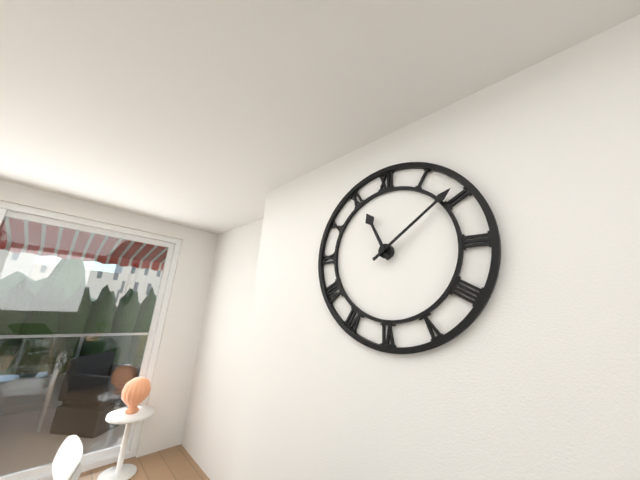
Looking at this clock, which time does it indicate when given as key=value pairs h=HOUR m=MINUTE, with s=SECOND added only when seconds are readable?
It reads h=11 m=9
